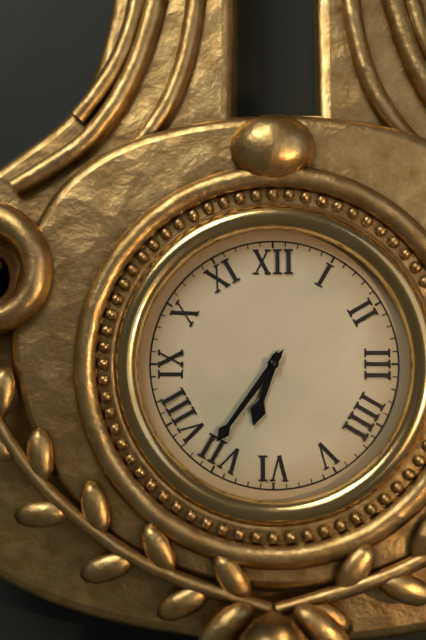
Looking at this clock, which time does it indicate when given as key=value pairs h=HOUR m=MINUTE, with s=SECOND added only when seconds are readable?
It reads h=6 m=36
